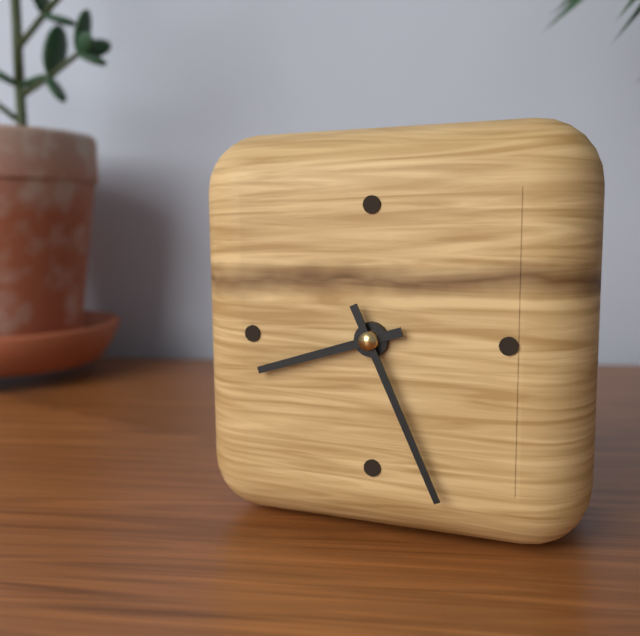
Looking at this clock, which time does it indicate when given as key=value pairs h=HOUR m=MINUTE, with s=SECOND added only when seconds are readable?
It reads h=8 m=26
